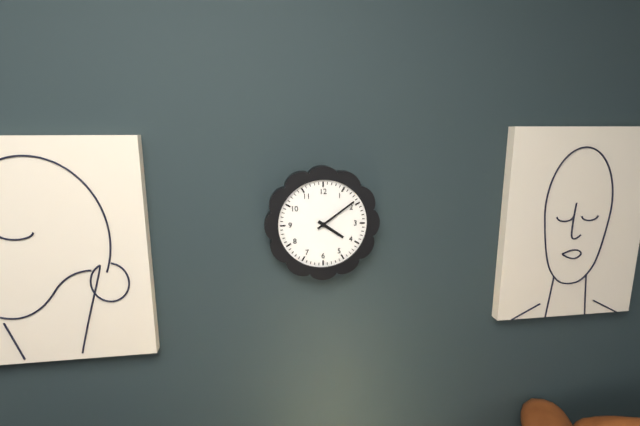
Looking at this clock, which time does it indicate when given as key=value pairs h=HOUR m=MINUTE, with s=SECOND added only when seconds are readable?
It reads h=4 m=9
